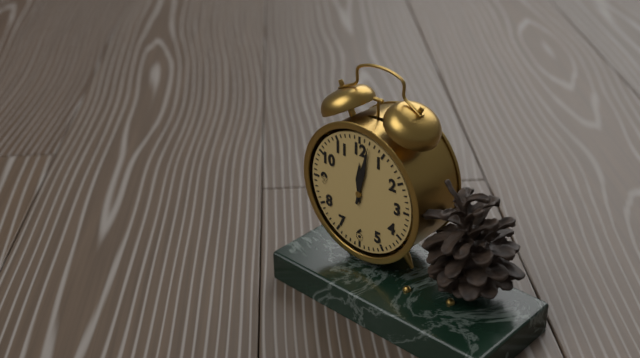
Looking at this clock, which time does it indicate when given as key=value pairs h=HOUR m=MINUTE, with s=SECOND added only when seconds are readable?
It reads h=12 m=2
